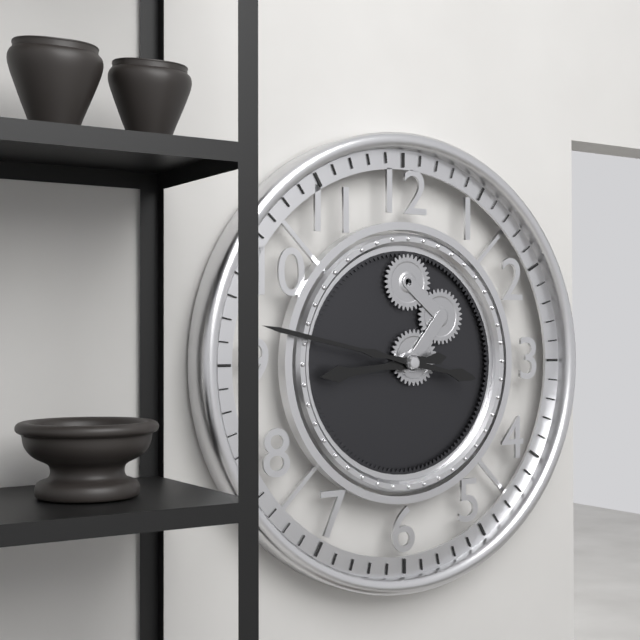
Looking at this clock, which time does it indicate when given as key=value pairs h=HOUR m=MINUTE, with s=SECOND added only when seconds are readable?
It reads h=8 m=47
